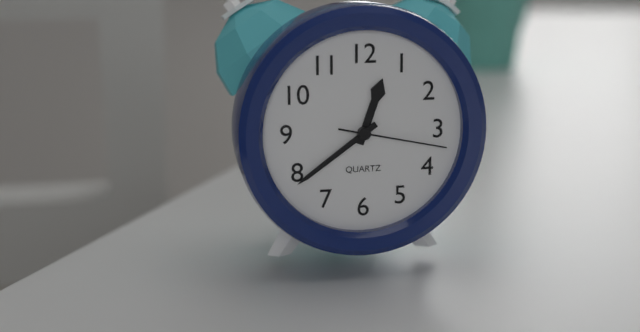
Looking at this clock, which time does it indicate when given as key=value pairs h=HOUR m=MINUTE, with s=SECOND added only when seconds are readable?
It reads h=12 m=39 s=17
